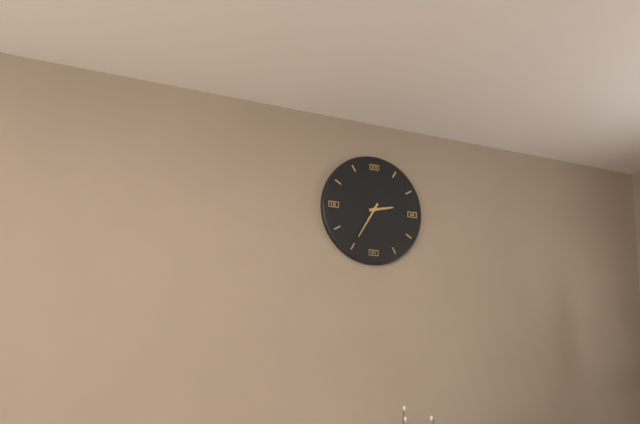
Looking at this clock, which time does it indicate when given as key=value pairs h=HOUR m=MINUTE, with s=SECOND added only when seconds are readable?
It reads h=2 m=35
